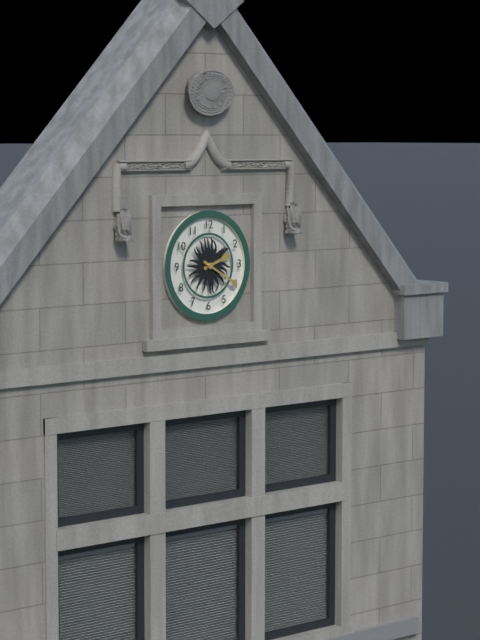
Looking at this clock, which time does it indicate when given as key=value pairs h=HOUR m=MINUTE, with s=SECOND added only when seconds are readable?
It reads h=2 m=20
